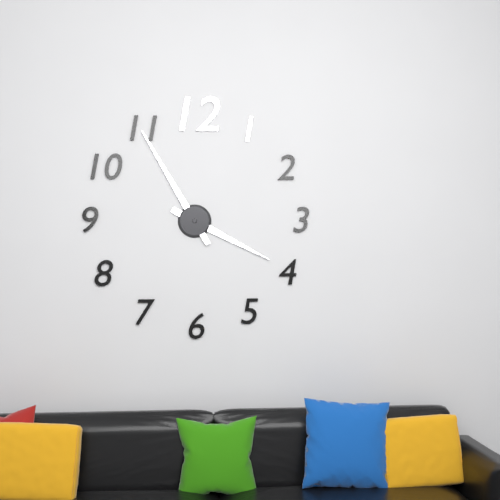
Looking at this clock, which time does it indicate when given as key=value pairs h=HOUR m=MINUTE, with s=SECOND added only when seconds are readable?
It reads h=3 m=55
